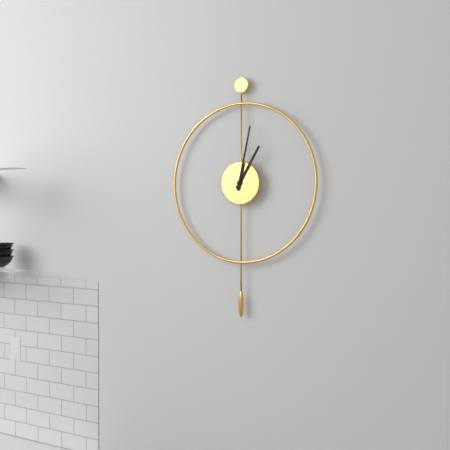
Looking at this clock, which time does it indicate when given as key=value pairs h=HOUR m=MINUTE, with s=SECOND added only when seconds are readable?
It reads h=1 m=2
